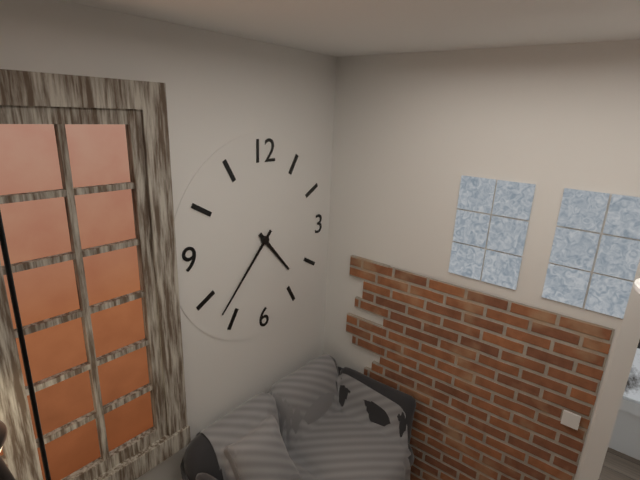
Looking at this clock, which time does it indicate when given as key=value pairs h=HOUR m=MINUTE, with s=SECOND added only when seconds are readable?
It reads h=4 m=37
